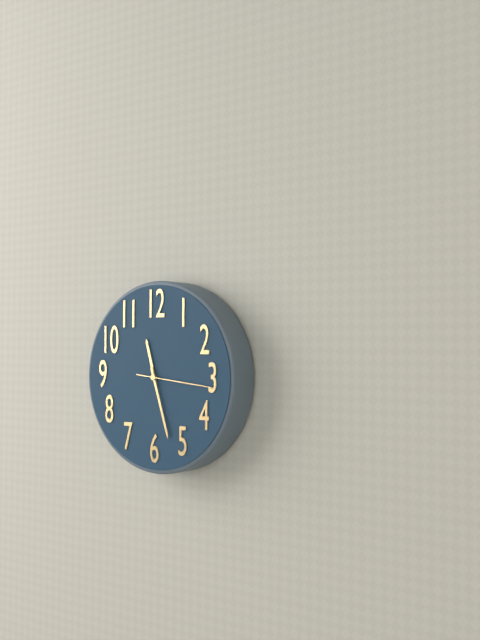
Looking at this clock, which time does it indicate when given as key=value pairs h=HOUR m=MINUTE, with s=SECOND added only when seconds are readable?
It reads h=11 m=27 s=16
